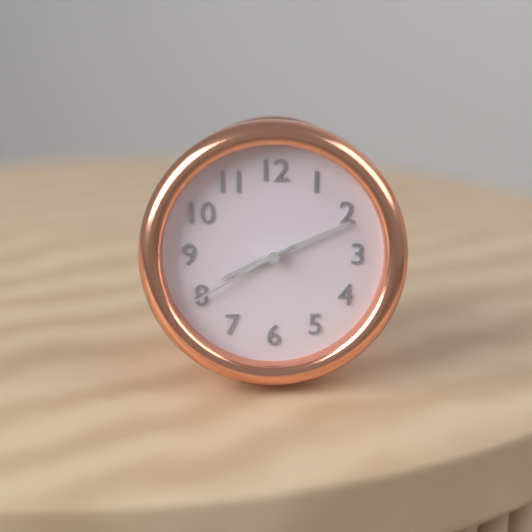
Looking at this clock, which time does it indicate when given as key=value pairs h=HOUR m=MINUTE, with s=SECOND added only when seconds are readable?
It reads h=8 m=11 s=40
